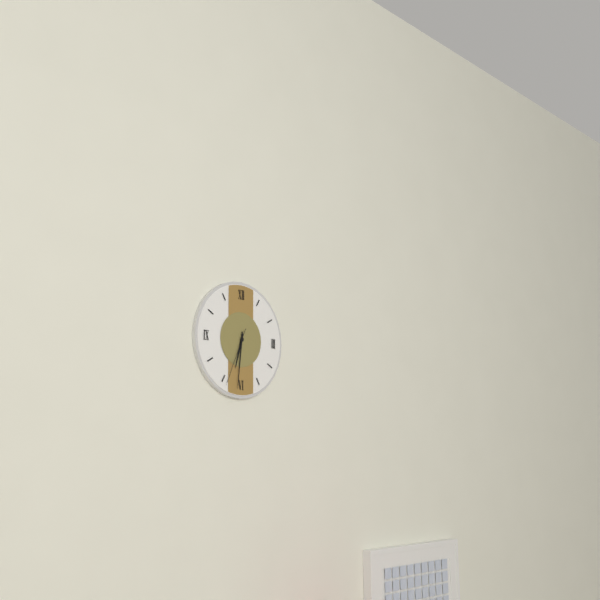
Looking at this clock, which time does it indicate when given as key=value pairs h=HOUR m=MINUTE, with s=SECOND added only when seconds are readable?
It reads h=6 m=31 s=34
